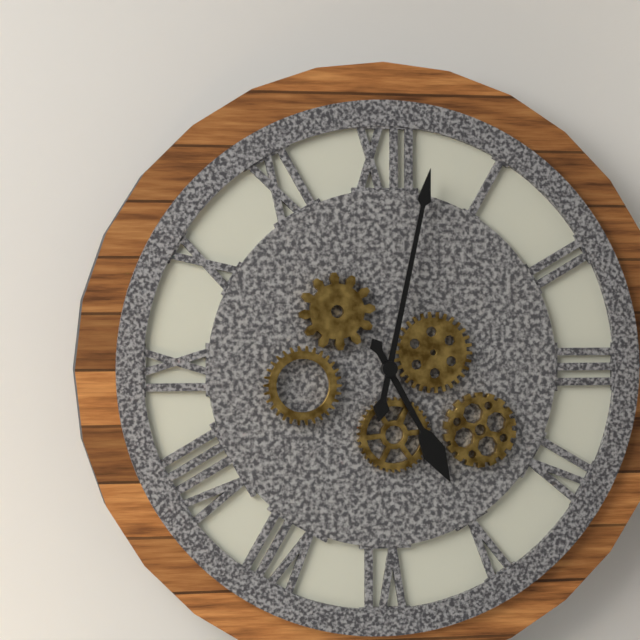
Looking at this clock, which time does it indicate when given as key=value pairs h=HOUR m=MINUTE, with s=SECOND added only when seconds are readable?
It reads h=5 m=2
